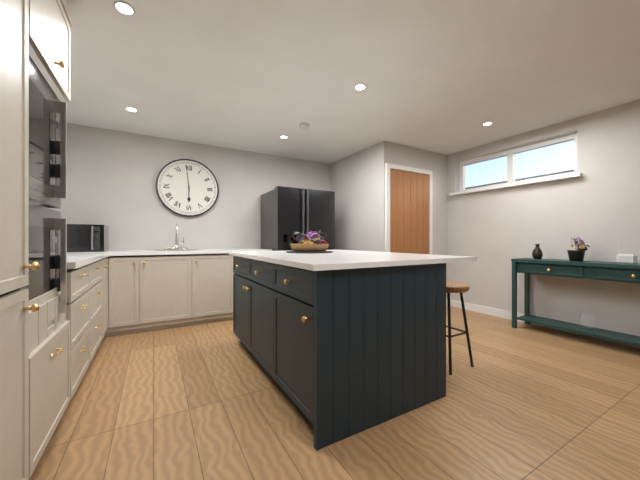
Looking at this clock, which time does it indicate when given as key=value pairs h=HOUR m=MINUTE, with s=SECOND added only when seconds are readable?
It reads h=5 m=59
